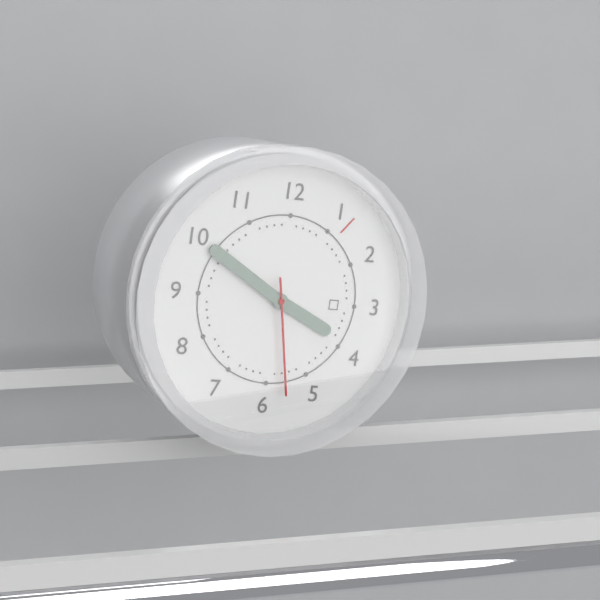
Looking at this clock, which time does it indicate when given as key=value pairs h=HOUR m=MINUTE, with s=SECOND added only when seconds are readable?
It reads h=3 m=50 s=28
